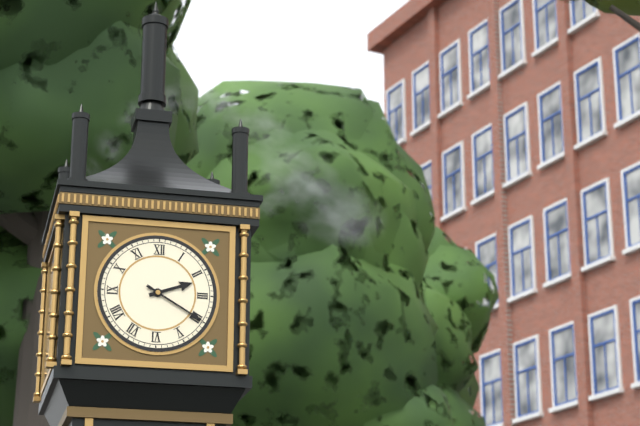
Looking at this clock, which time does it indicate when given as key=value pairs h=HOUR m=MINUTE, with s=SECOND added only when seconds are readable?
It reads h=2 m=20
